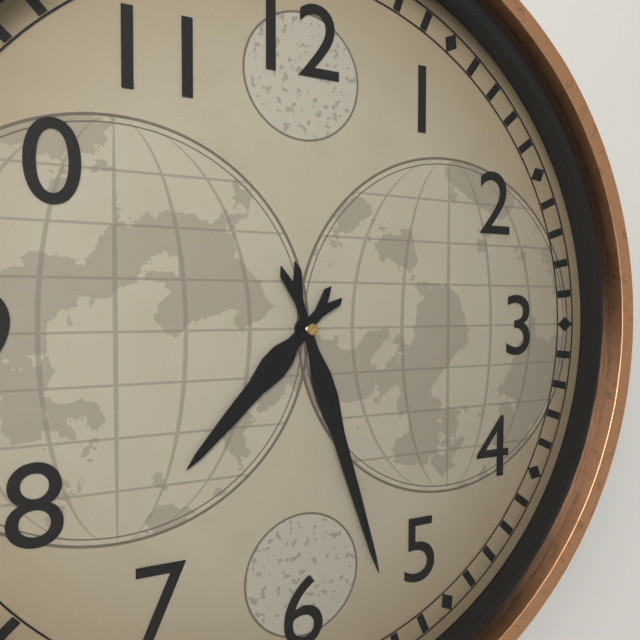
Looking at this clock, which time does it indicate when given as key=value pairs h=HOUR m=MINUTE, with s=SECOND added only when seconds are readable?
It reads h=7 m=27
